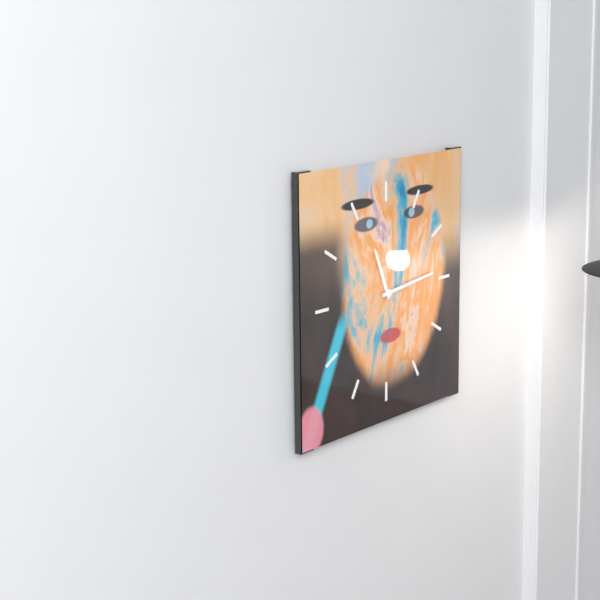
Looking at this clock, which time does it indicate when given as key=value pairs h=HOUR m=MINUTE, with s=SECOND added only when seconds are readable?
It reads h=11 m=14
